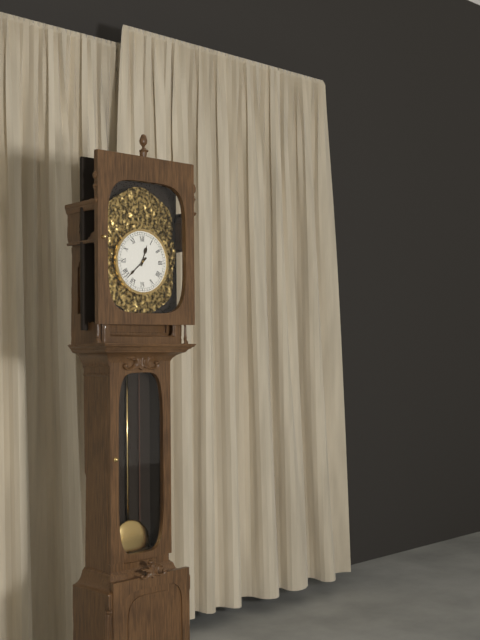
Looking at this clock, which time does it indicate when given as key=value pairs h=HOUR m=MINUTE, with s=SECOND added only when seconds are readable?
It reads h=12 m=38
